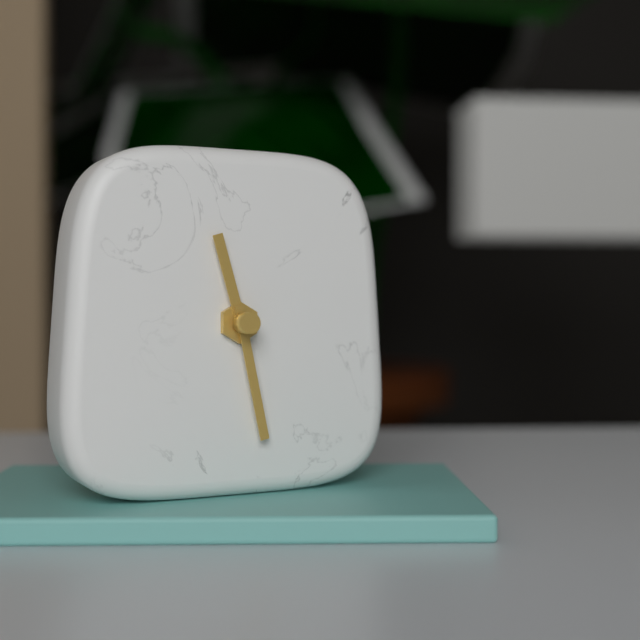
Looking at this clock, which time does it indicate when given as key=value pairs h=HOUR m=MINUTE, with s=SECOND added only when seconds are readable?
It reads h=11 m=28
